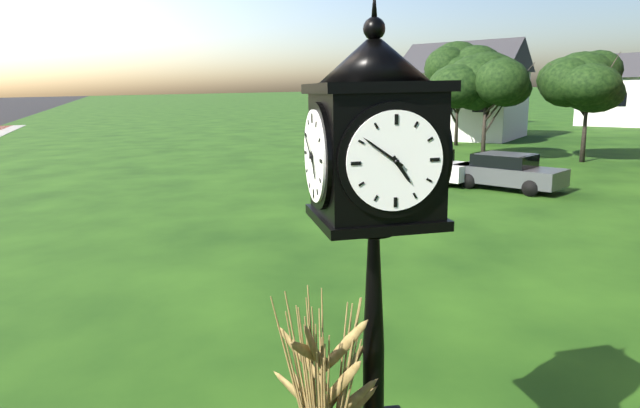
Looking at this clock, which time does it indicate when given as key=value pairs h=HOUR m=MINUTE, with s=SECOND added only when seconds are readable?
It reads h=4 m=51
